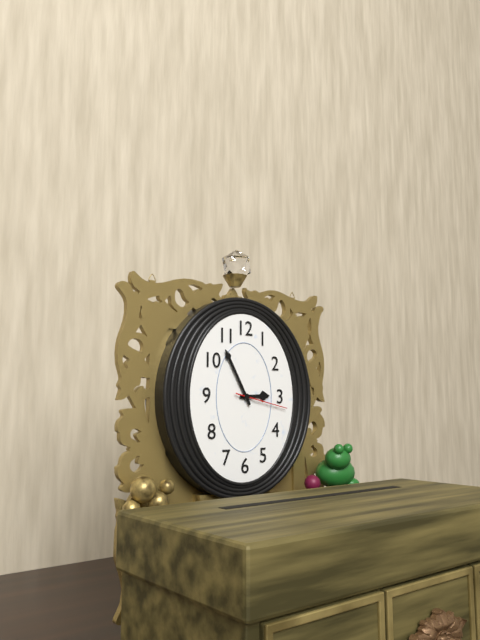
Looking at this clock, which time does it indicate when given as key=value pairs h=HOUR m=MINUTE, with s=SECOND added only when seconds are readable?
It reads h=2 m=55 s=17
